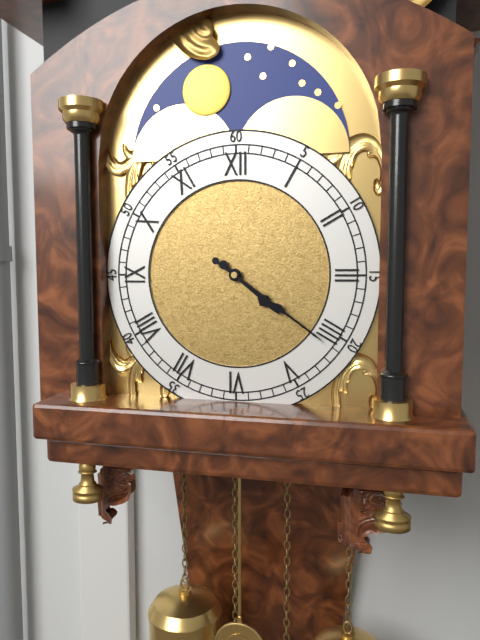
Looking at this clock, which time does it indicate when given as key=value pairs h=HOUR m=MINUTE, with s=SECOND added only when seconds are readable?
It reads h=4 m=21
